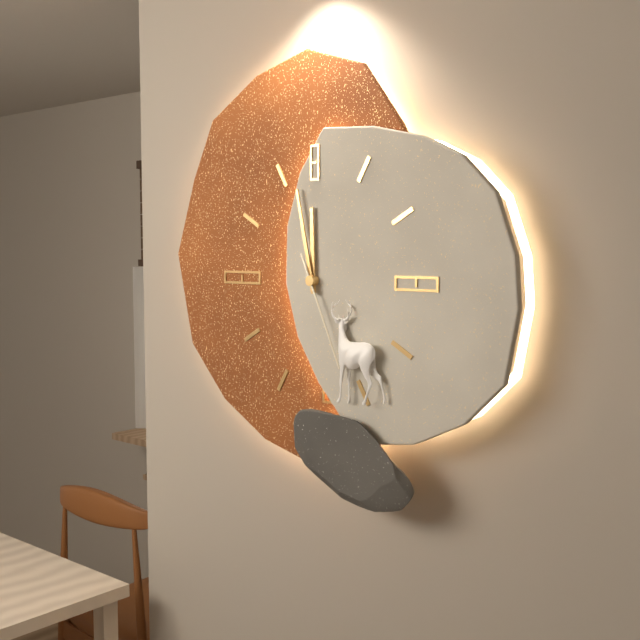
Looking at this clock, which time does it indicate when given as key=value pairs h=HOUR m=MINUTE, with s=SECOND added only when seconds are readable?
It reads h=11 m=58 s=26
